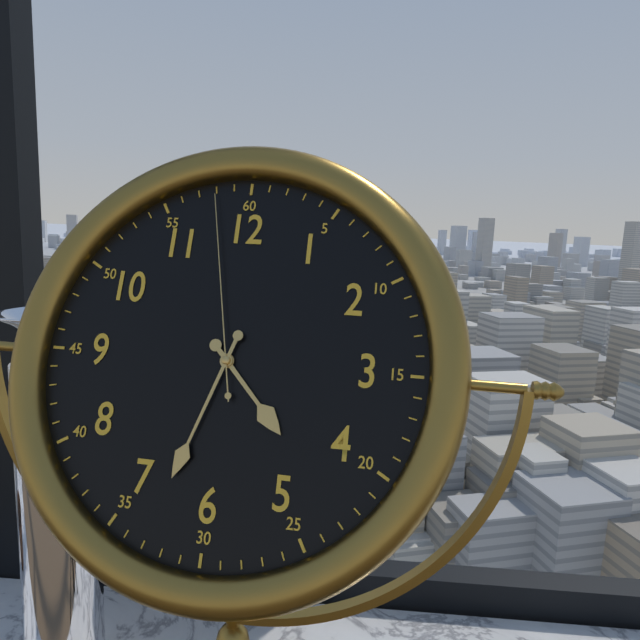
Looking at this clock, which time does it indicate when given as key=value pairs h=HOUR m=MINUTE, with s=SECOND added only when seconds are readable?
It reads h=4 m=33 s=58
